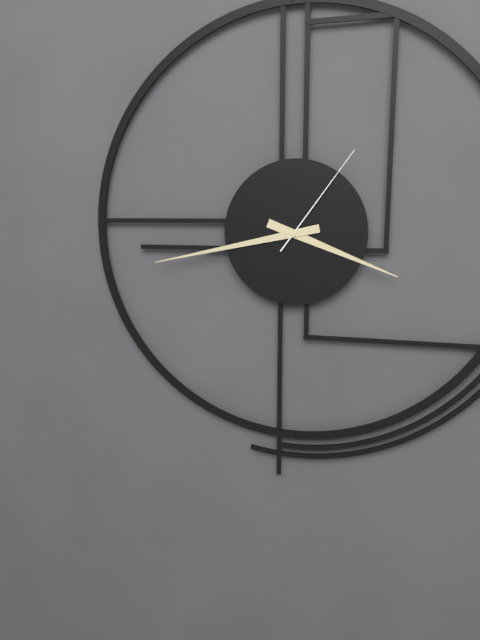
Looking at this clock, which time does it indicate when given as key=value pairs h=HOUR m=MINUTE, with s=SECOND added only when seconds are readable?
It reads h=3 m=43 s=6
